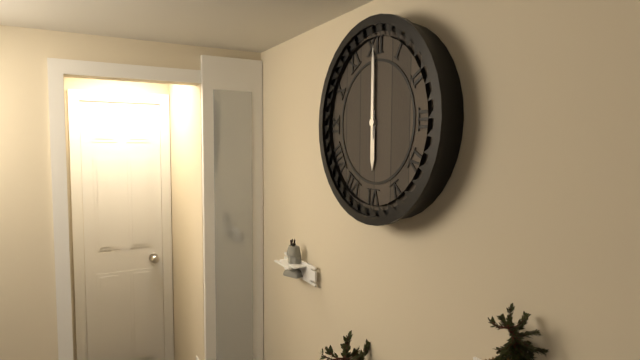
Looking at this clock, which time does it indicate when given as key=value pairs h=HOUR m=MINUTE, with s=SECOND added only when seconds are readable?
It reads h=6 m=0
